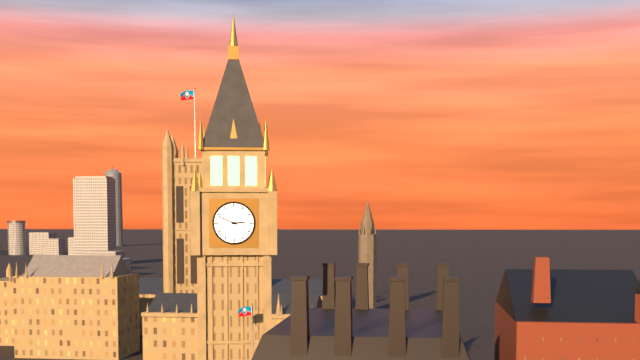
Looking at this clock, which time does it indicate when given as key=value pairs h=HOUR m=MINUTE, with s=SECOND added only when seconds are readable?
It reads h=2 m=49
